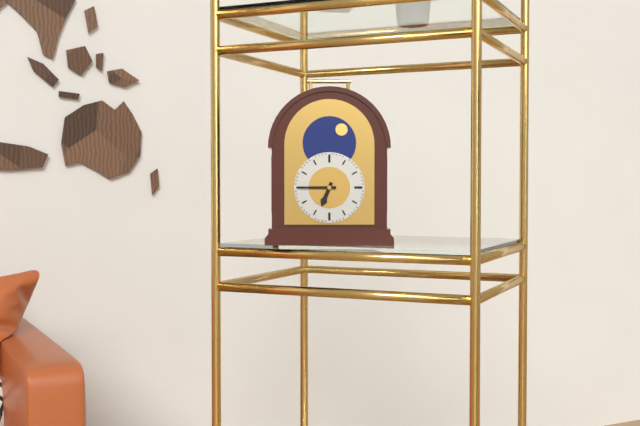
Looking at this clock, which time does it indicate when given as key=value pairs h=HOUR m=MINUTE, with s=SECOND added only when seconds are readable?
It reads h=6 m=45
